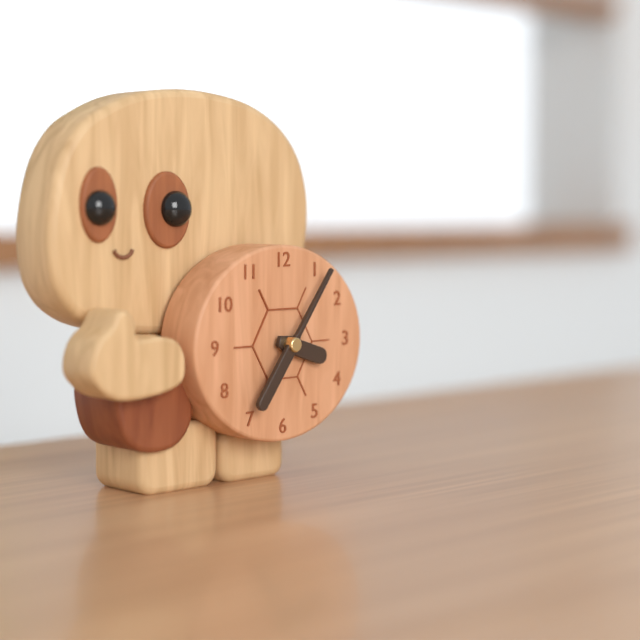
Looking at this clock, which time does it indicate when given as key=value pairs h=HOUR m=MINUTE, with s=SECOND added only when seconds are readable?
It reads h=3 m=36
